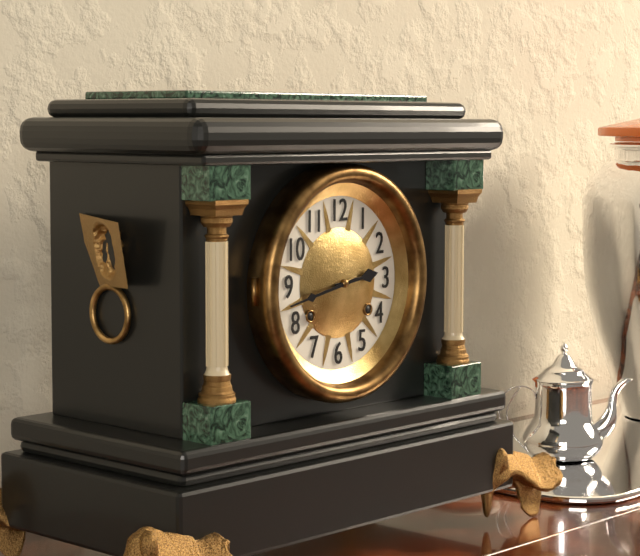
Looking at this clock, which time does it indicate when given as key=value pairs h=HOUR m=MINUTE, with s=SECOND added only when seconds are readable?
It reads h=2 m=43
